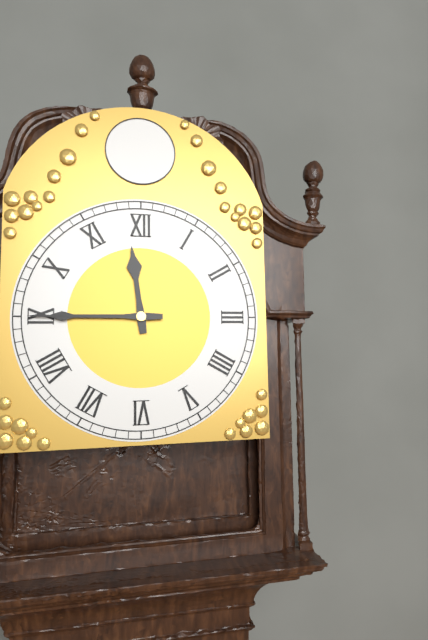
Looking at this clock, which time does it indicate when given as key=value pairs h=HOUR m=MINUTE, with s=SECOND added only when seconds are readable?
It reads h=11 m=45
